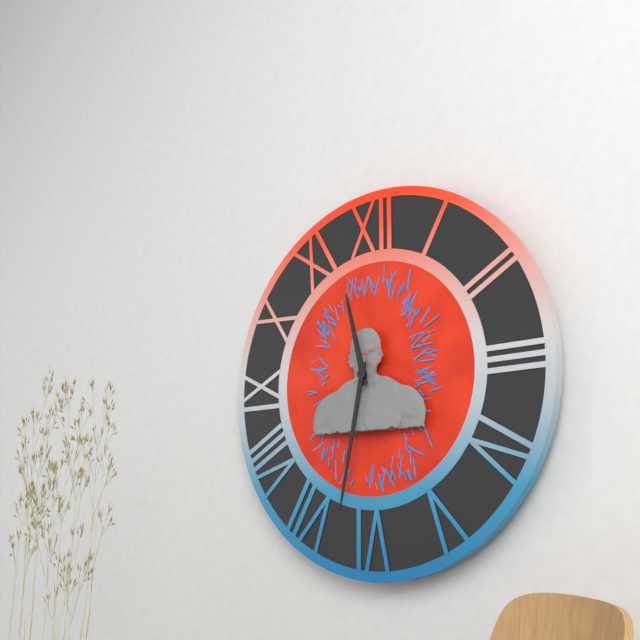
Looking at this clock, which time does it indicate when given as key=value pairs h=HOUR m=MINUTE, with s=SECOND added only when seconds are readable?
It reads h=11 m=32
